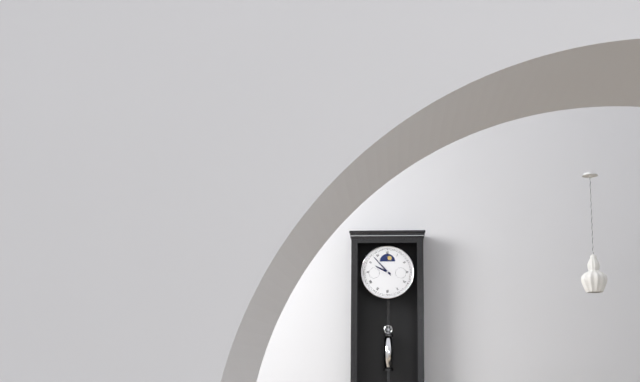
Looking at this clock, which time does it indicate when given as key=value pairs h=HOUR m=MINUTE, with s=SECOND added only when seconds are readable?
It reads h=9 m=53
